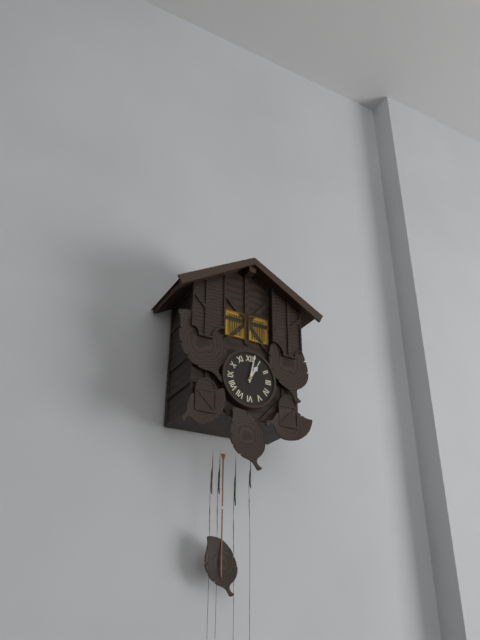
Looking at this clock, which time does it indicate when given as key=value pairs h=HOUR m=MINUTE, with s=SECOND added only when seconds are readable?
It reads h=1 m=2
